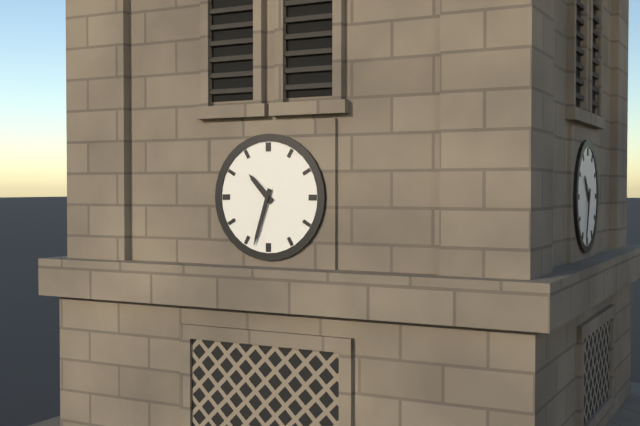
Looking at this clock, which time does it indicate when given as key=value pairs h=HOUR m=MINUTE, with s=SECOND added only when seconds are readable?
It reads h=10 m=33
